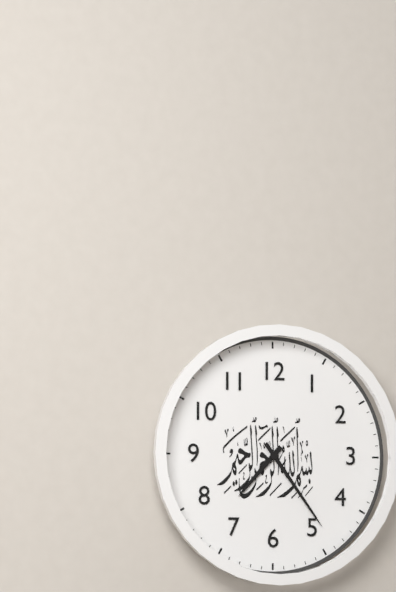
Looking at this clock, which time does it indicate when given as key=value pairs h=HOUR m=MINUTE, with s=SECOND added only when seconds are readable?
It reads h=7 m=24
